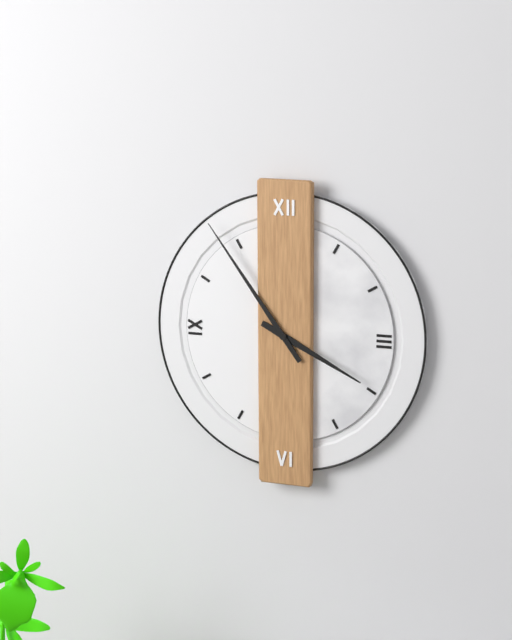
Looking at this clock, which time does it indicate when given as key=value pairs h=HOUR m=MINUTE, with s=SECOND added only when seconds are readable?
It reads h=3 m=54
